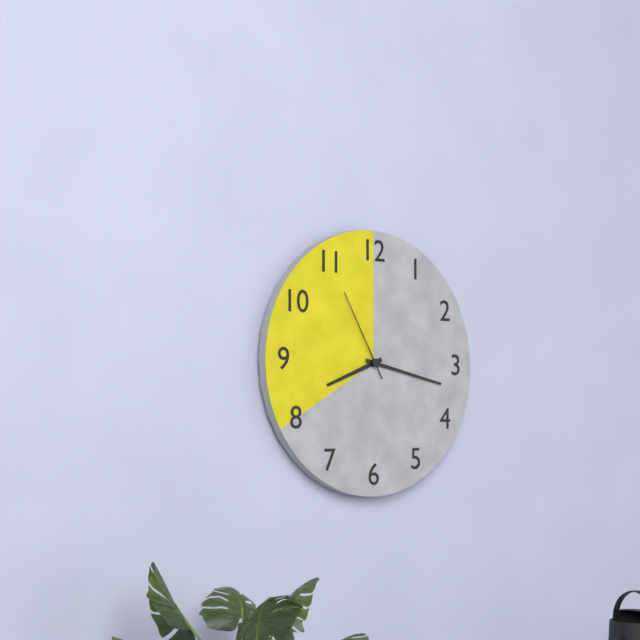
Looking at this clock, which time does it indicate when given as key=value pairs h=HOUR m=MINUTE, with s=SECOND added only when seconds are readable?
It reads h=8 m=17 s=55
